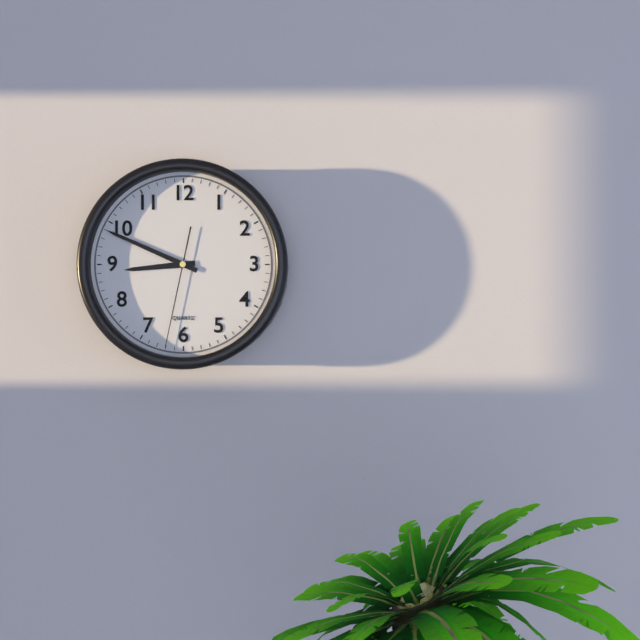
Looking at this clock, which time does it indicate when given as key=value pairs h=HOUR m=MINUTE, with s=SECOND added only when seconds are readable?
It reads h=8 m=49 s=32
